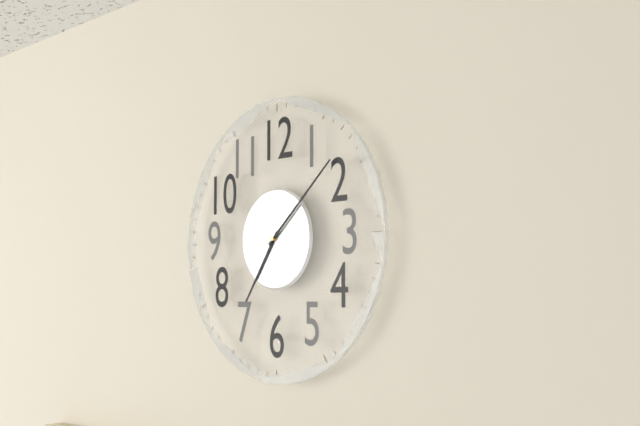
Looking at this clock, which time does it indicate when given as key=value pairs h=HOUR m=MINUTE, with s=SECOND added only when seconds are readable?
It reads h=7 m=8
